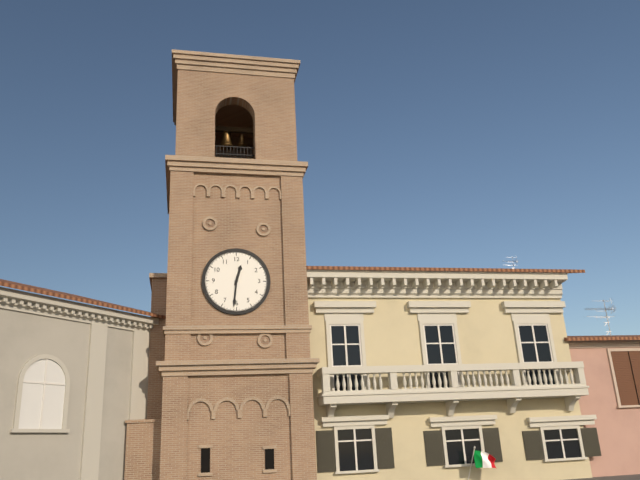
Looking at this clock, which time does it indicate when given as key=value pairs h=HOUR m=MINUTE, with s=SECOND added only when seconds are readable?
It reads h=12 m=31
